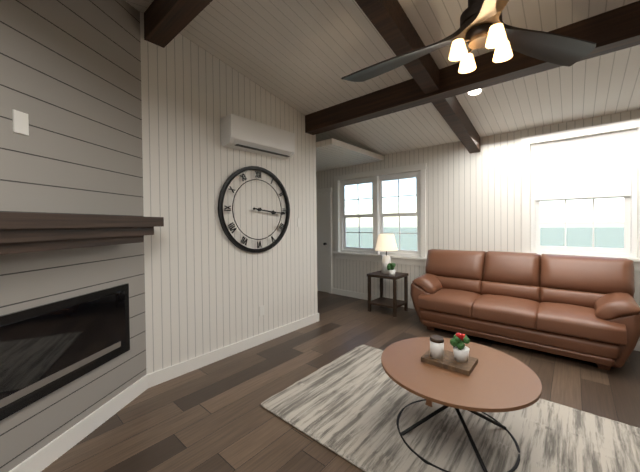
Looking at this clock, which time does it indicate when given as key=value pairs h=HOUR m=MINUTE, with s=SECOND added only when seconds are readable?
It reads h=3 m=16
